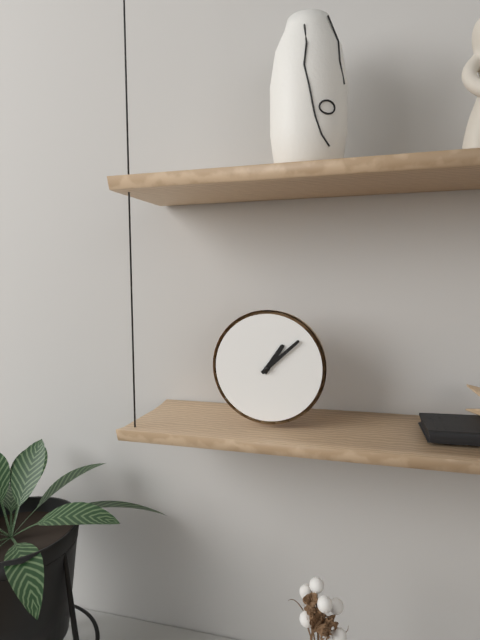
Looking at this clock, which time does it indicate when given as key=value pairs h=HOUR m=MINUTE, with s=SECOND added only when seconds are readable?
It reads h=1 m=8
